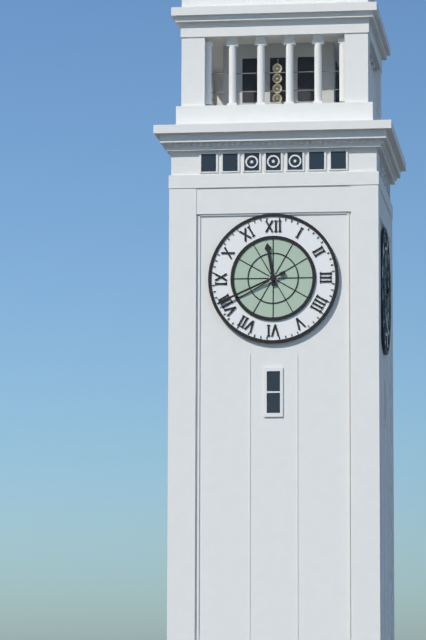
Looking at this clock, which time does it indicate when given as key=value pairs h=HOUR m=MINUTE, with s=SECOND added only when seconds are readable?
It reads h=11 m=41
